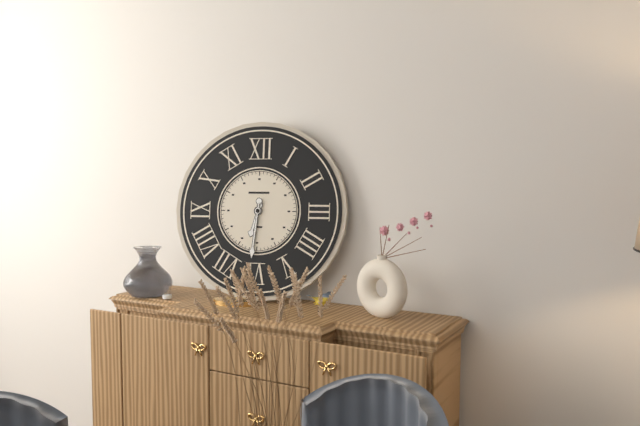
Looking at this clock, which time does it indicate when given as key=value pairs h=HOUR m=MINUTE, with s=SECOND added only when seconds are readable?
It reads h=6 m=31
